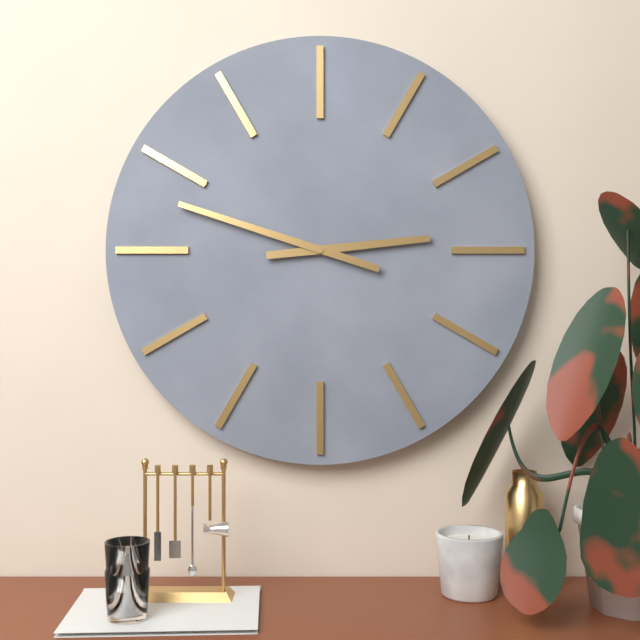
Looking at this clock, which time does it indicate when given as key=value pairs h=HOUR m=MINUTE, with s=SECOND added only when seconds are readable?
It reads h=2 m=48
